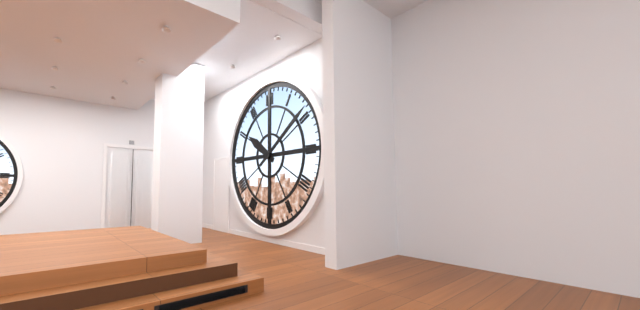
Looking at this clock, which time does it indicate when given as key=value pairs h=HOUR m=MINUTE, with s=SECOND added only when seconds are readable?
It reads h=10 m=9
